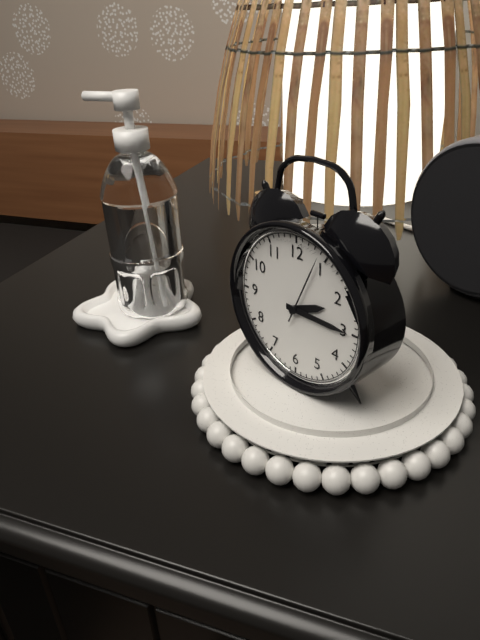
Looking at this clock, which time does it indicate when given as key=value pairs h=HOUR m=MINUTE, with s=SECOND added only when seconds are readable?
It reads h=2 m=15 s=4
